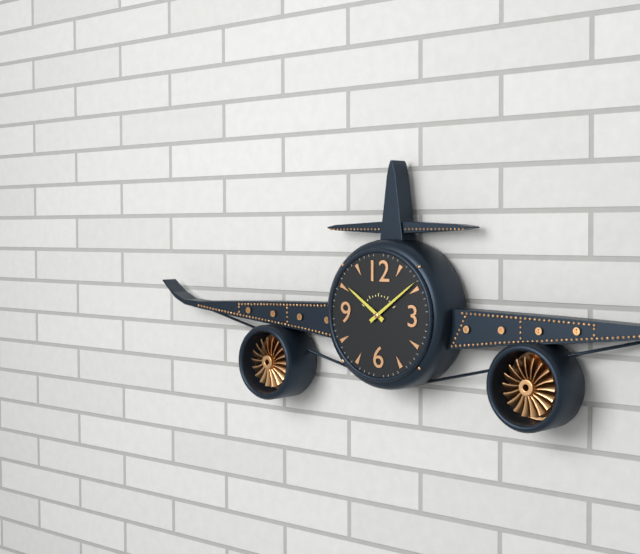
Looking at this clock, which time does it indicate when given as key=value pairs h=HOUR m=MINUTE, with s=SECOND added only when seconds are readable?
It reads h=10 m=9
